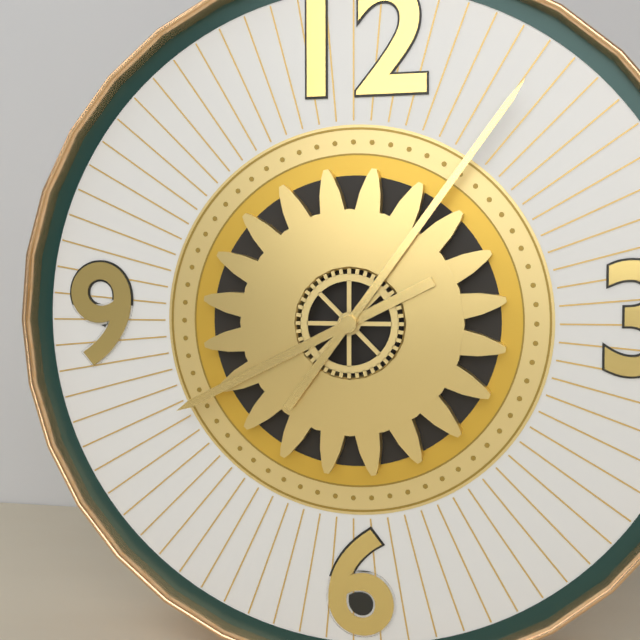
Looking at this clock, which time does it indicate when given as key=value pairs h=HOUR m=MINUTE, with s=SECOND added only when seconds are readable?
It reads h=8 m=6
